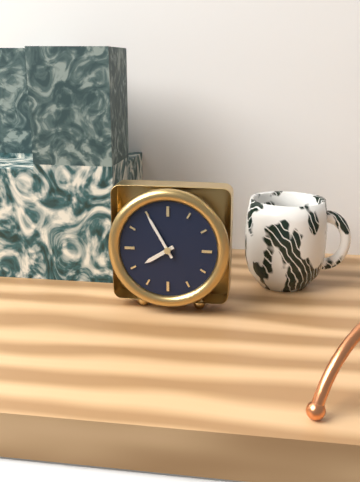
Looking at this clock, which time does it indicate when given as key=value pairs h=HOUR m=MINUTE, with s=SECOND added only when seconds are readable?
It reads h=7 m=55
